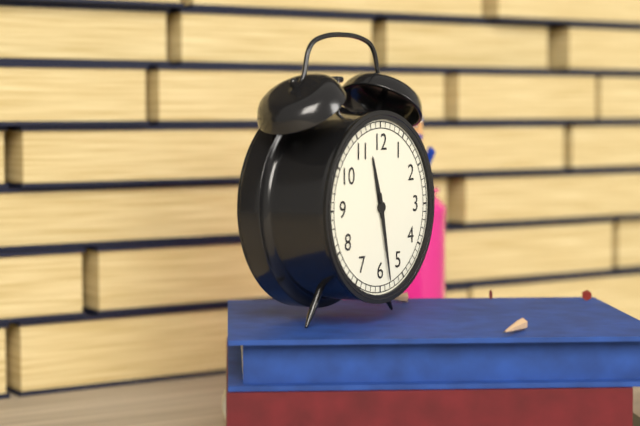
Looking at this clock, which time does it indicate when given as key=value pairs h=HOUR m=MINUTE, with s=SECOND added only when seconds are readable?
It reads h=11 m=28
